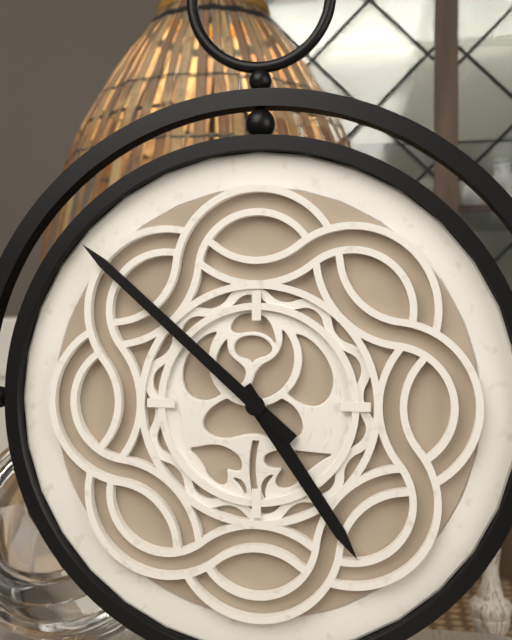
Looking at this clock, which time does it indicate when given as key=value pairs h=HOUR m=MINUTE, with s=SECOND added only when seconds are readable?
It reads h=4 m=52
